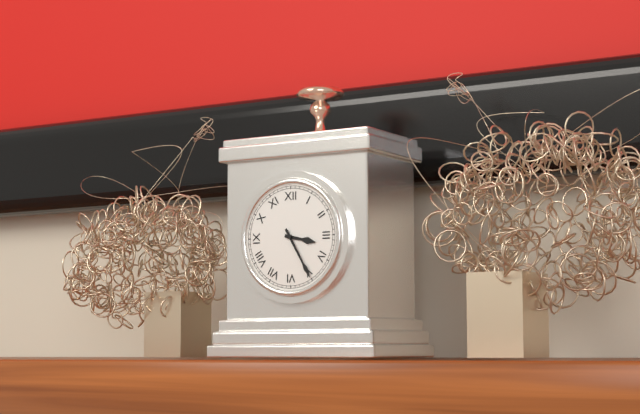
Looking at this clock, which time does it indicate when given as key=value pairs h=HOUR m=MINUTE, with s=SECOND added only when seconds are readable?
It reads h=3 m=25
